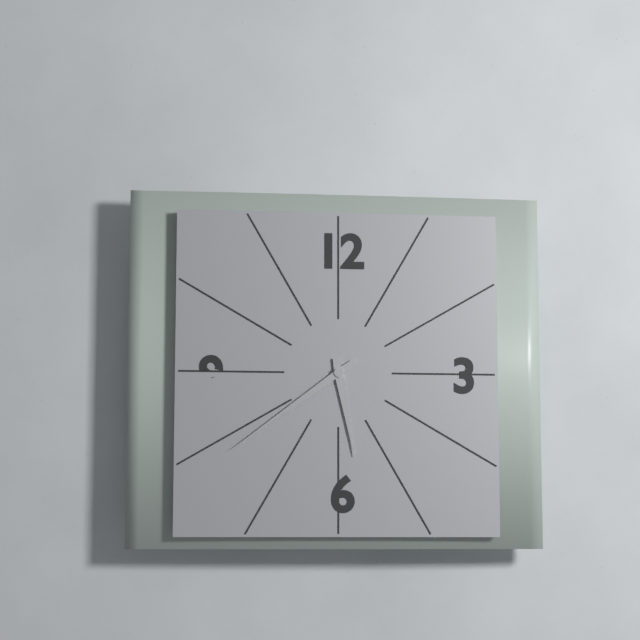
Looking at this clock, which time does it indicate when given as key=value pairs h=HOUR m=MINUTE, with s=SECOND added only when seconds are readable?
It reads h=5 m=39
